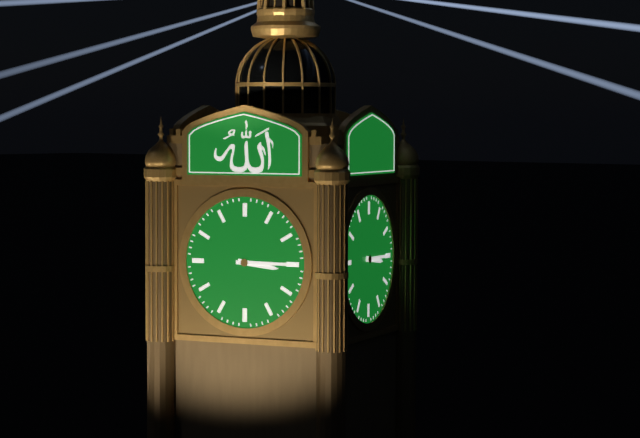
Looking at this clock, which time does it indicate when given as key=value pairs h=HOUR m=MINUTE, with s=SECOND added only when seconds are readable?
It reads h=3 m=15
